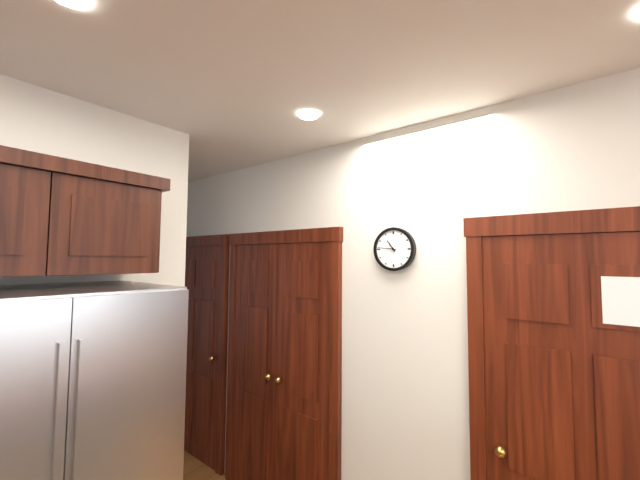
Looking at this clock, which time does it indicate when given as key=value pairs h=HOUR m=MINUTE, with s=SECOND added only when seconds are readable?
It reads h=10 m=46
